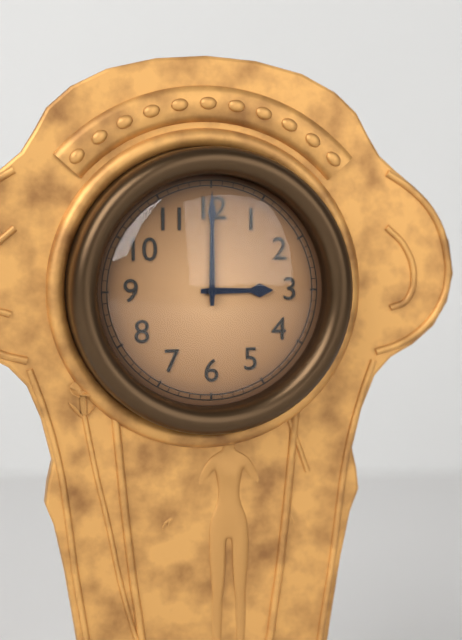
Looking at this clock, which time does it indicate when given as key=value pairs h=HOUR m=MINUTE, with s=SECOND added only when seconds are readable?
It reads h=3 m=0
